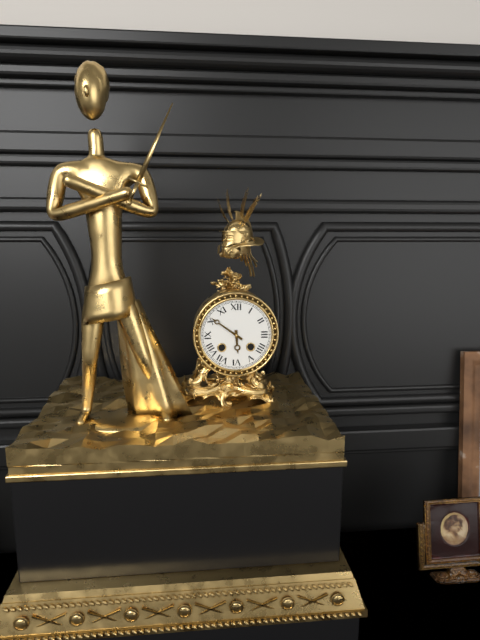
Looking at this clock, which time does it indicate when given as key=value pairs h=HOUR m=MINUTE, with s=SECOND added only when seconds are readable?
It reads h=5 m=51
